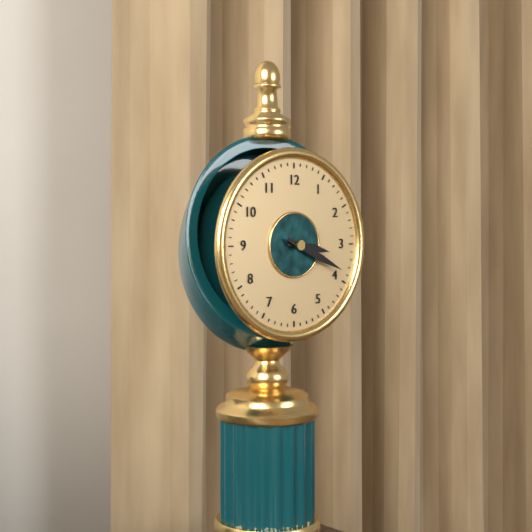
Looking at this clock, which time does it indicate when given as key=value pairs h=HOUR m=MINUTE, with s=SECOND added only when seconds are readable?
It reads h=3 m=19
